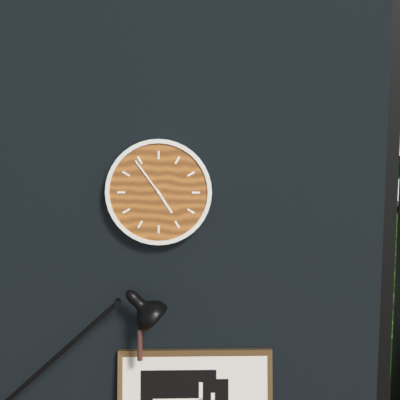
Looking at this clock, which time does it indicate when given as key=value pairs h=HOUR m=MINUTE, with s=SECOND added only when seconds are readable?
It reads h=4 m=54
